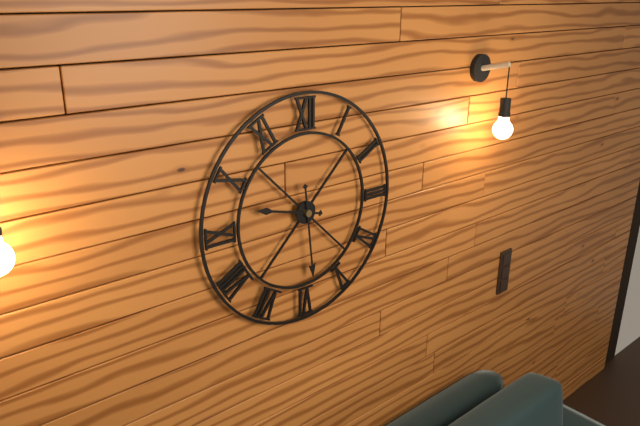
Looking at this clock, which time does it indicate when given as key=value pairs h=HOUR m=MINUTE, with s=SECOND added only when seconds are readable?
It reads h=9 m=29
